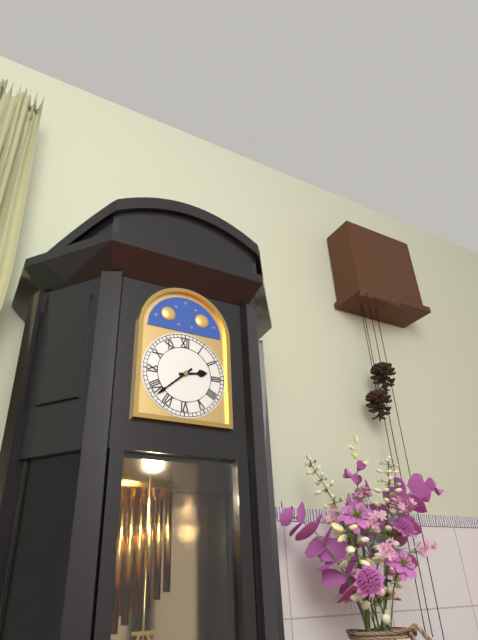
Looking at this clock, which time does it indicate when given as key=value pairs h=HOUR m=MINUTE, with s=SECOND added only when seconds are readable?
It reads h=2 m=38
